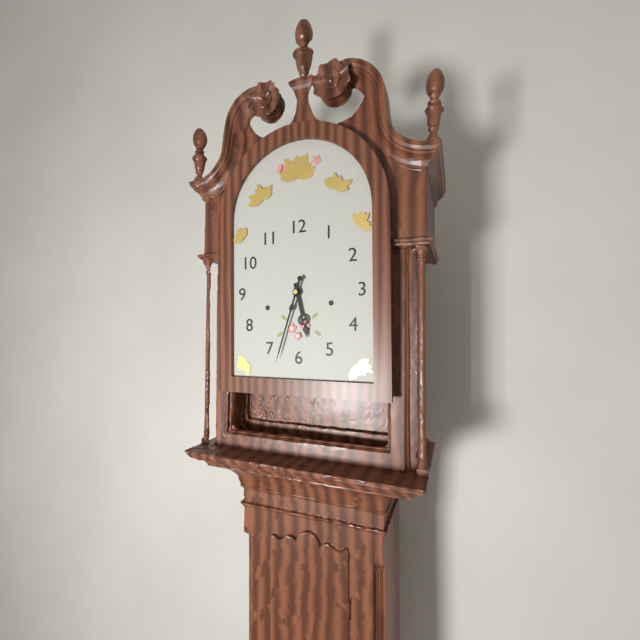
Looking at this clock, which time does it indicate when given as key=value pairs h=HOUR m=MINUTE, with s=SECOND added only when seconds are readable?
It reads h=5 m=33
